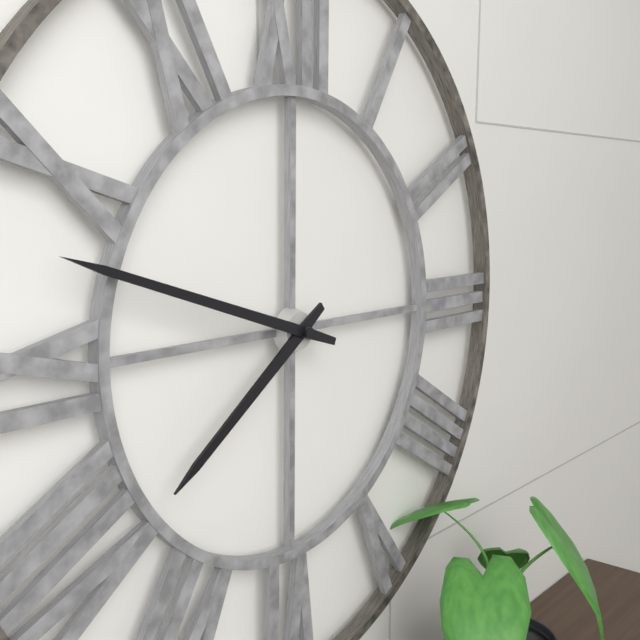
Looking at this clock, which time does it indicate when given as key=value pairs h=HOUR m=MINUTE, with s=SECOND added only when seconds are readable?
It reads h=7 m=48
